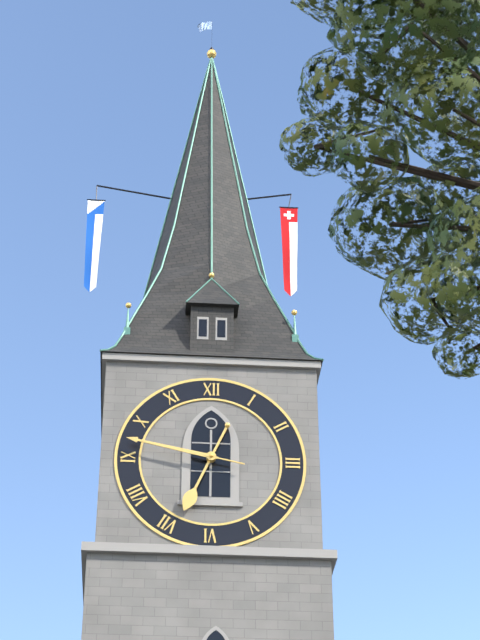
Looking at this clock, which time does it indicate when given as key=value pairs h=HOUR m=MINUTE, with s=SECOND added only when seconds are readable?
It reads h=6 m=47
